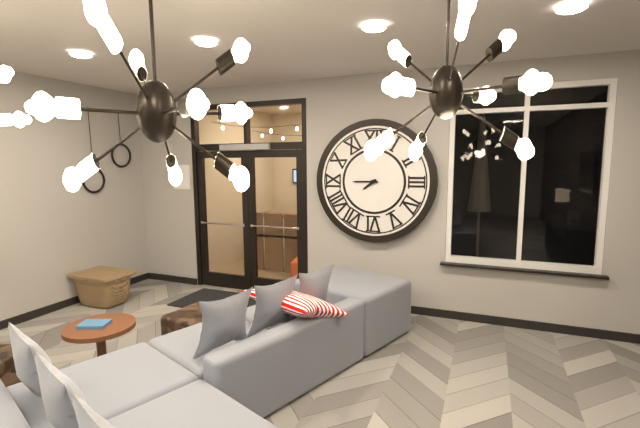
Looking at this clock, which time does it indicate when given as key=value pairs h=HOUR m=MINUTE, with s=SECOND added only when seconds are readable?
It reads h=7 m=45
